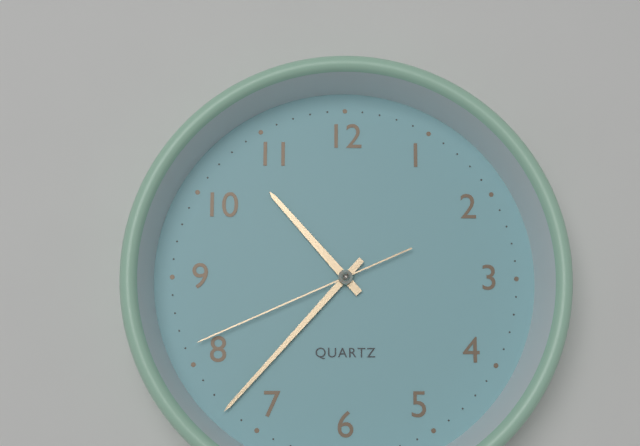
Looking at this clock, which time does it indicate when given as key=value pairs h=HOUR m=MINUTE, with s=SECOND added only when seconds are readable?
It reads h=10 m=37 s=41
